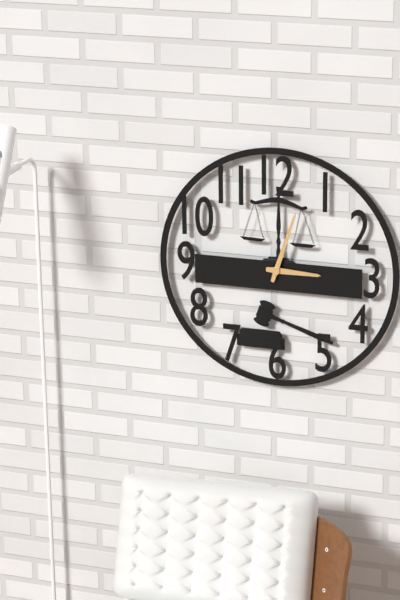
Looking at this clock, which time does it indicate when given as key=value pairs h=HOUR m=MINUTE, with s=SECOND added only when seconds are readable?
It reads h=3 m=3
